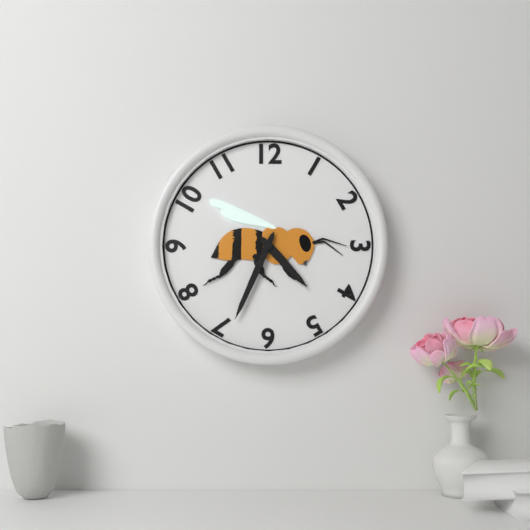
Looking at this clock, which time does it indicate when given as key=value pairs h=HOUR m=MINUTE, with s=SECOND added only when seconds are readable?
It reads h=4 m=34
